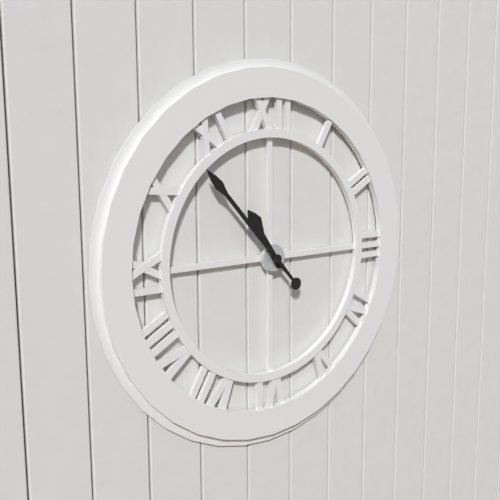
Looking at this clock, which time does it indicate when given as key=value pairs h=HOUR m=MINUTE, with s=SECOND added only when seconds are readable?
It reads h=10 m=53
